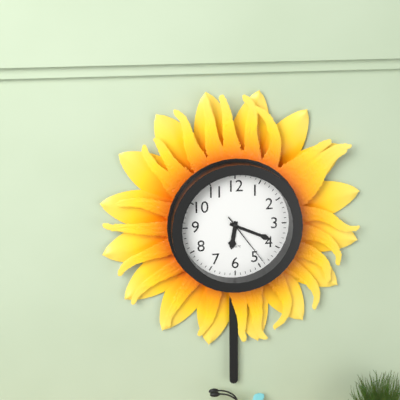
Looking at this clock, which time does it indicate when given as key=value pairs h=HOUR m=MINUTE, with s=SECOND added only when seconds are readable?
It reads h=6 m=19 s=24
